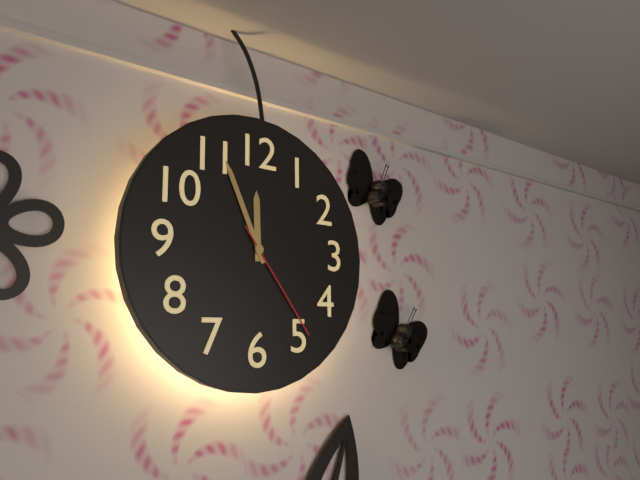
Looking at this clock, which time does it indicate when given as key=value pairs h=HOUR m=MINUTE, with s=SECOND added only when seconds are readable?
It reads h=11 m=56 s=24
